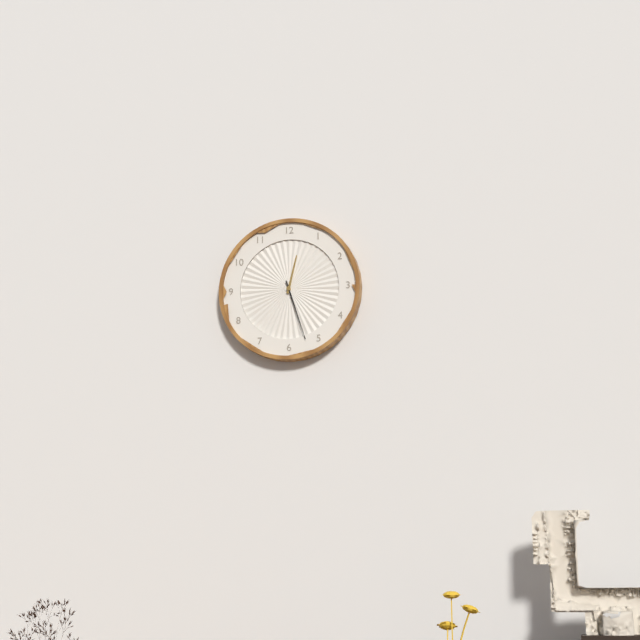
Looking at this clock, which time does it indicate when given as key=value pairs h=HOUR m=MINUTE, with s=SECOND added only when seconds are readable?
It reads h=12 m=27
